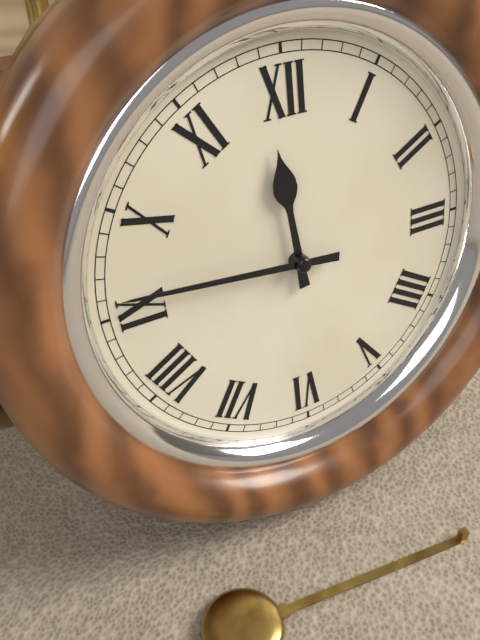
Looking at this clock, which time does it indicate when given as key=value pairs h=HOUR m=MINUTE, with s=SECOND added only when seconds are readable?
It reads h=11 m=46
